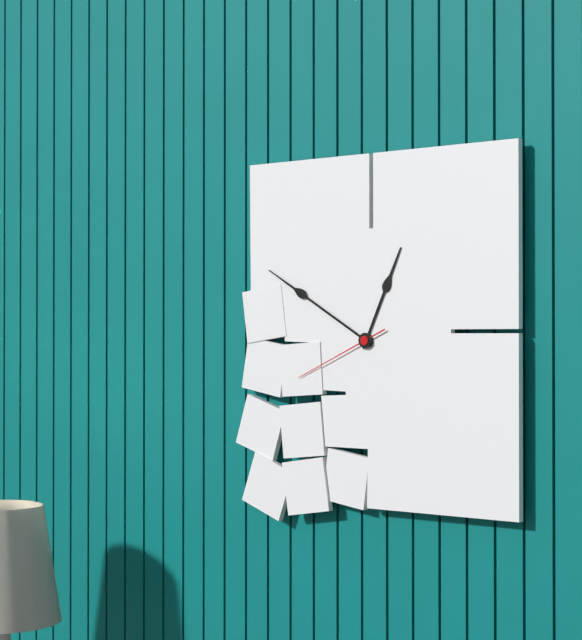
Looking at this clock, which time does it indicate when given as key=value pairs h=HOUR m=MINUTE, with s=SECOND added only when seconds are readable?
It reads h=12 m=50 s=41
